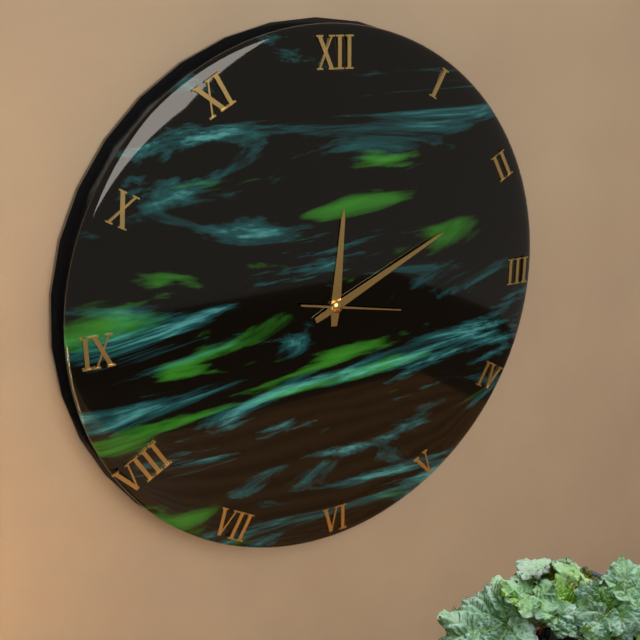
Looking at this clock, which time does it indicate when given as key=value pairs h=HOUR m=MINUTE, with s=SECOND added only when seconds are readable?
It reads h=12 m=11 s=17
